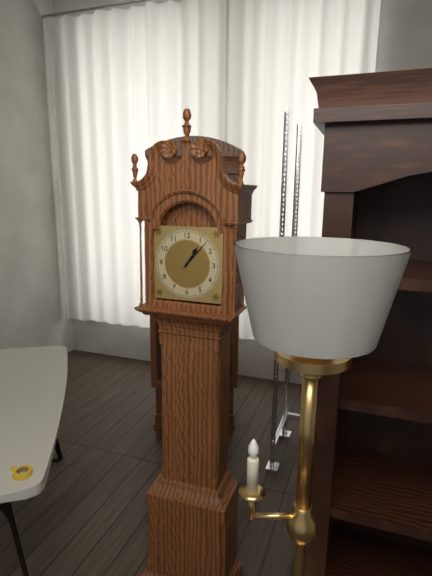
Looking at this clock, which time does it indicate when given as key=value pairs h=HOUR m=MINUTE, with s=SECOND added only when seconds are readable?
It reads h=1 m=7
